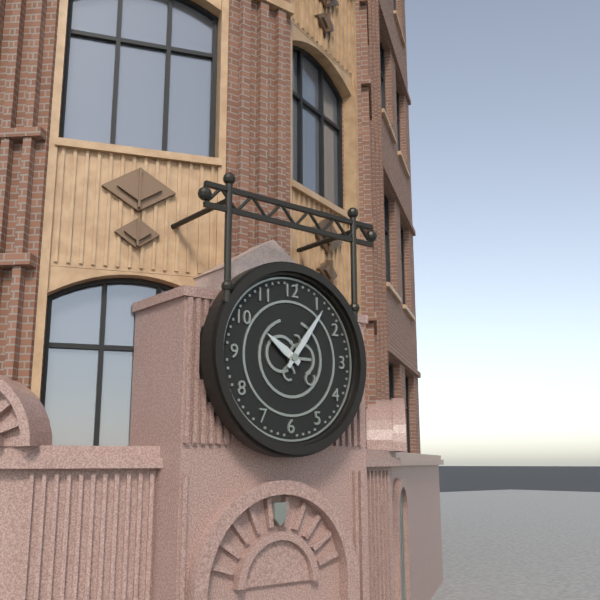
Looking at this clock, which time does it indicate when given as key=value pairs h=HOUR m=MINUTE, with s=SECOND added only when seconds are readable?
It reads h=10 m=6
